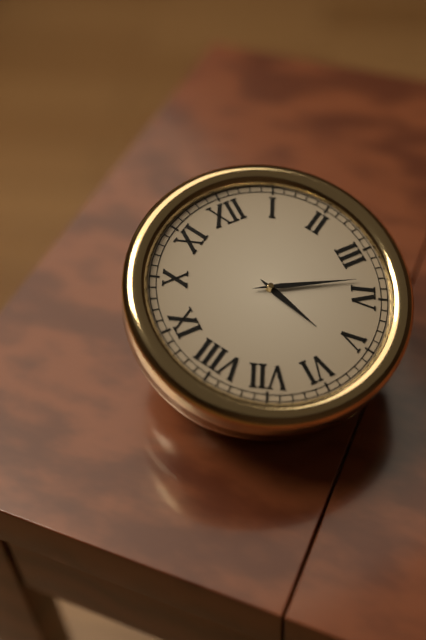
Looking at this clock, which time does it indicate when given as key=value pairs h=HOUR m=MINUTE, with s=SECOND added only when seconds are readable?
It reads h=5 m=18
